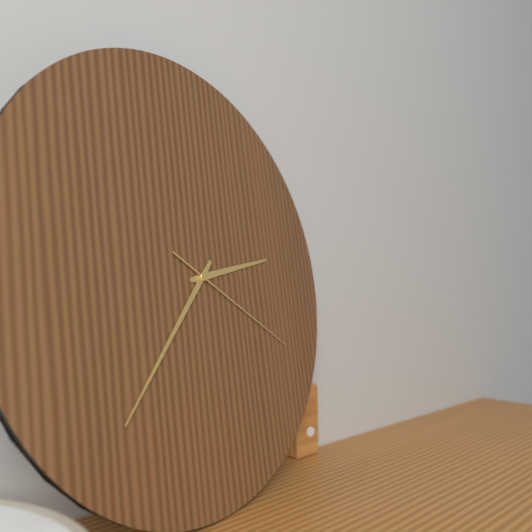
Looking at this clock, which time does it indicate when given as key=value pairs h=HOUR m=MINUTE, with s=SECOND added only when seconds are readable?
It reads h=2 m=37 s=20
